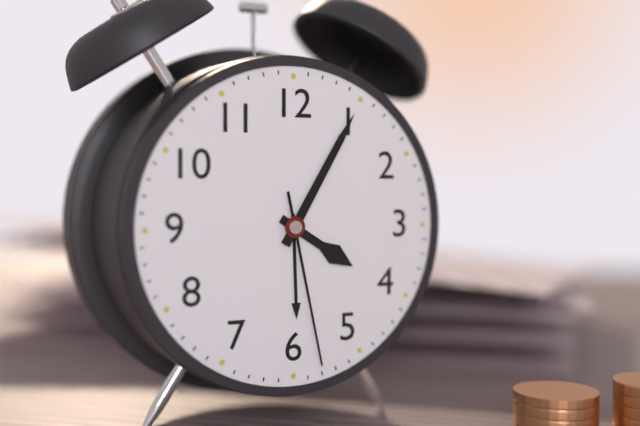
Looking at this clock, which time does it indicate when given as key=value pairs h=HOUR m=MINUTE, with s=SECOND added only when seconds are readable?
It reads h=4 m=5 s=28
